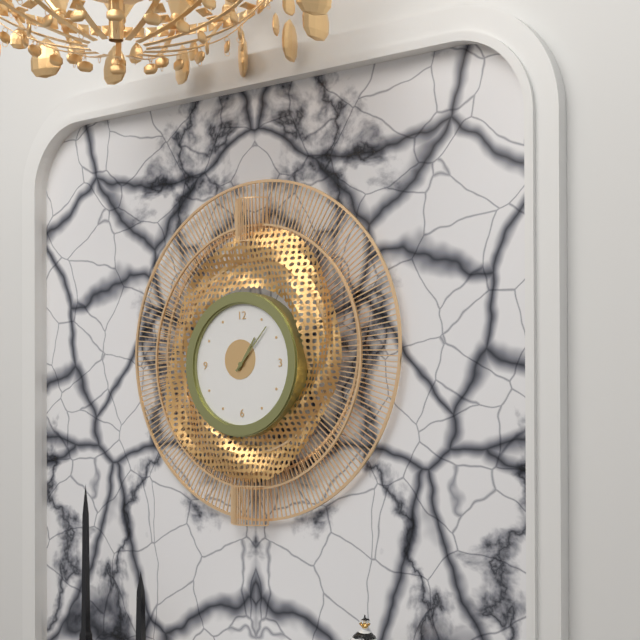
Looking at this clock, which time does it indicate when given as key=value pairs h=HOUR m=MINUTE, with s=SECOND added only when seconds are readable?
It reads h=1 m=7
